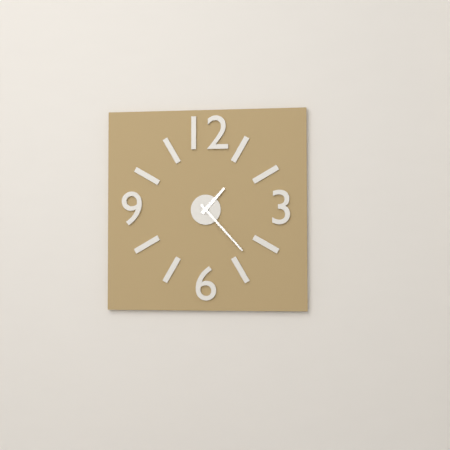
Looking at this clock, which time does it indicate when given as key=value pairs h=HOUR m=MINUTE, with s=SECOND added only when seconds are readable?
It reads h=1 m=23
